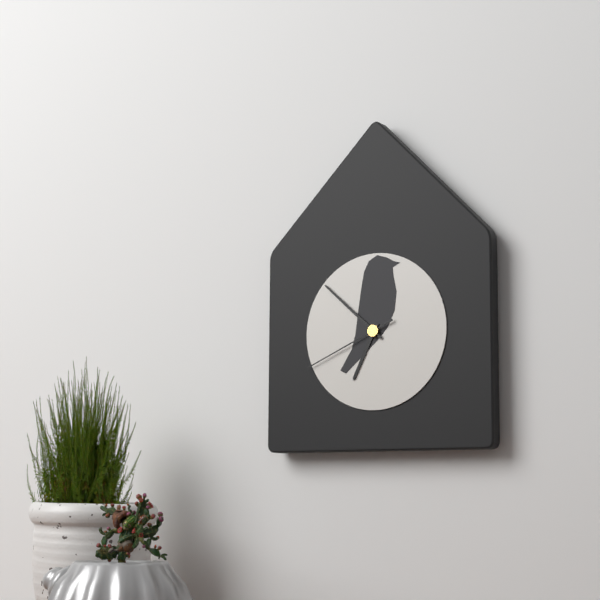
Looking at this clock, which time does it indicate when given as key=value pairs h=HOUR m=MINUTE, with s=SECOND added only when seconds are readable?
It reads h=6 m=52 s=41
